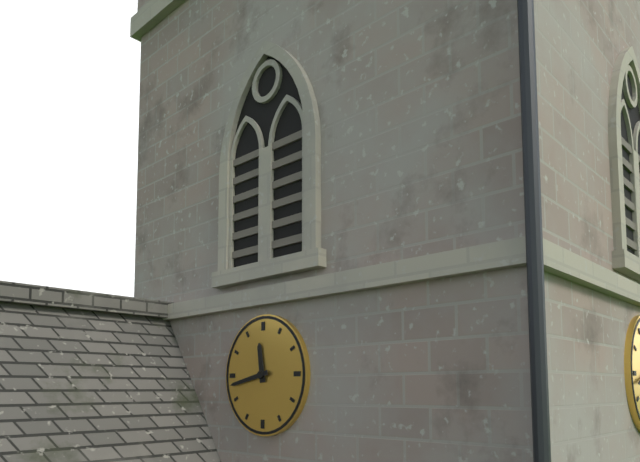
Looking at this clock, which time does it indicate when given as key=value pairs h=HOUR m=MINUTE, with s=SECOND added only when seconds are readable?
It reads h=11 m=43
